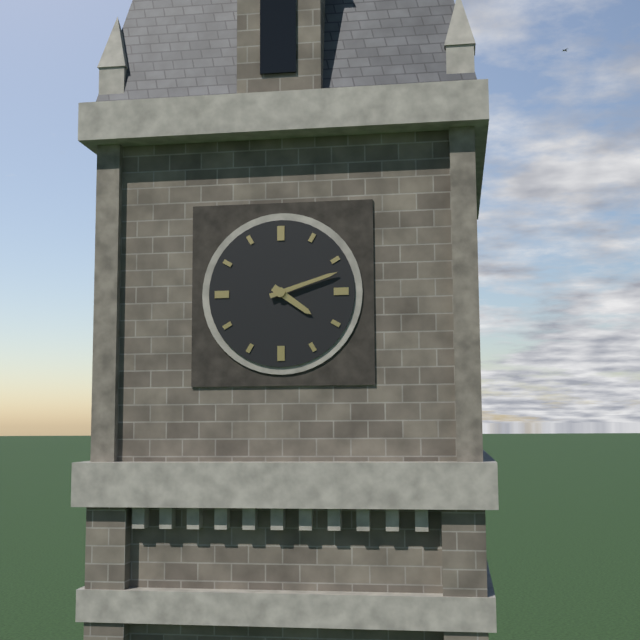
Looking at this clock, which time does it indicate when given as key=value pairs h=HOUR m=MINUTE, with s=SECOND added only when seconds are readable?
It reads h=4 m=12
